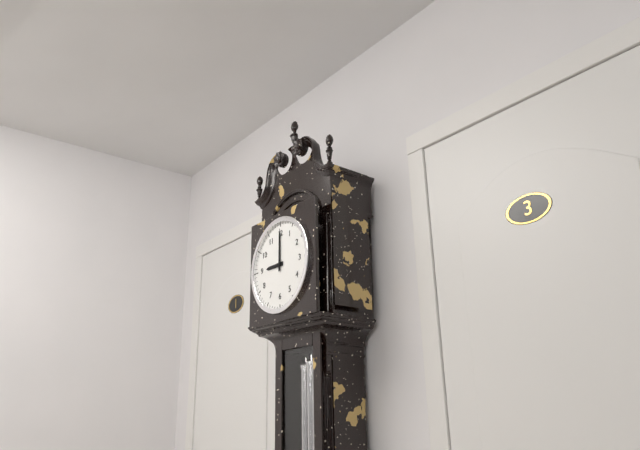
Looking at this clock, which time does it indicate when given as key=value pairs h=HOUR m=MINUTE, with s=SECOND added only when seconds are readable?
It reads h=9 m=0
